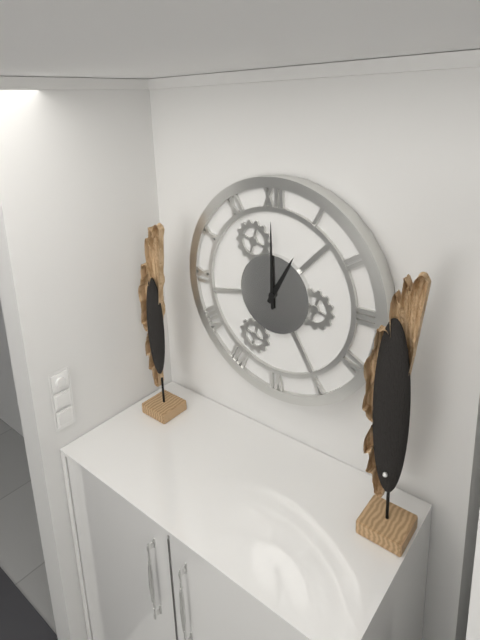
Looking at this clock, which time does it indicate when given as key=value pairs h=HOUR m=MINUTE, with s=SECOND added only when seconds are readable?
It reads h=1 m=0
